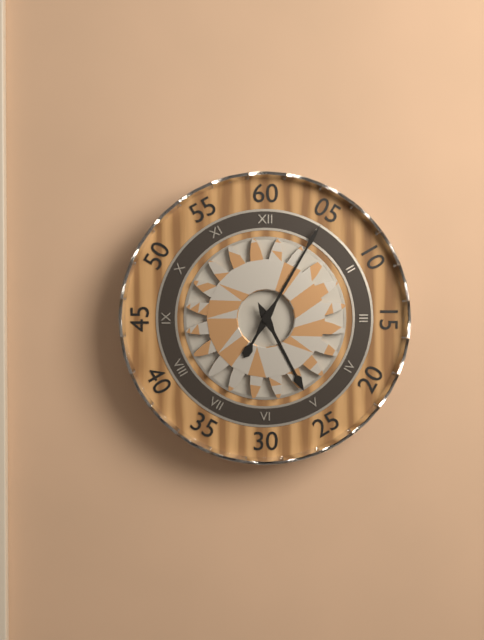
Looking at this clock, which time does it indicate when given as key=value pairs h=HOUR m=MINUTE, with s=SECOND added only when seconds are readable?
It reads h=5 m=5
